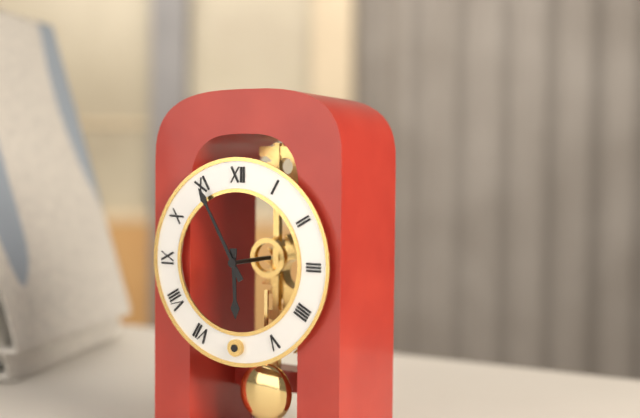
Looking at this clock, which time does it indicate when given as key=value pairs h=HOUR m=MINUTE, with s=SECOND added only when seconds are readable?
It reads h=5 m=55
